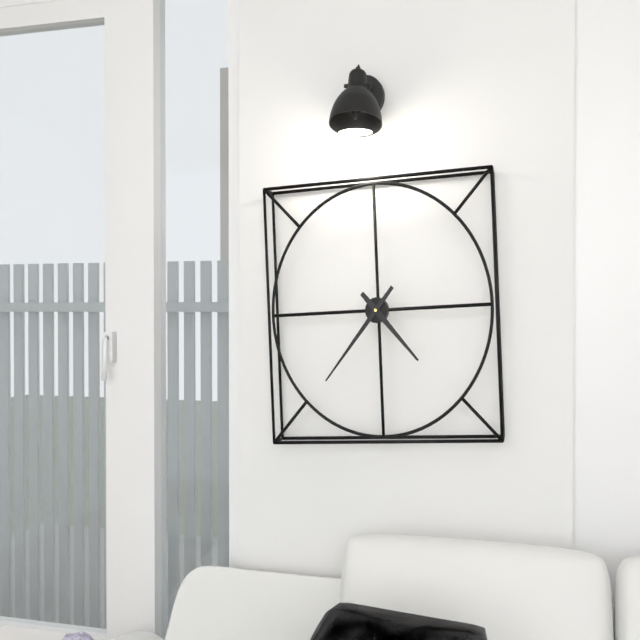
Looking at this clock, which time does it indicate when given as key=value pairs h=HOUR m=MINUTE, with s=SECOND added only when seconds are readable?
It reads h=4 m=37
